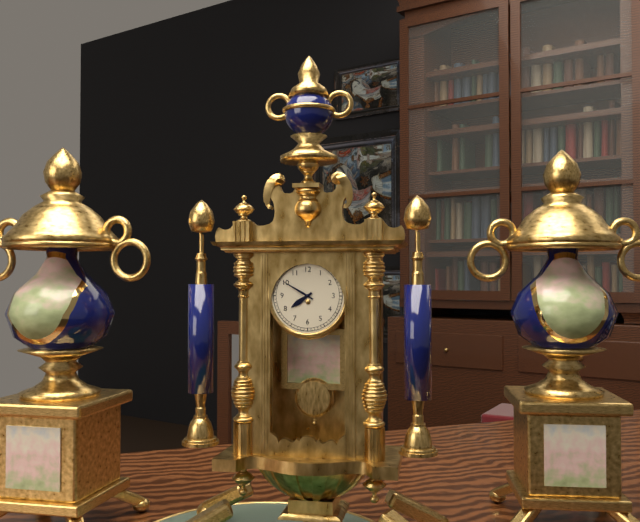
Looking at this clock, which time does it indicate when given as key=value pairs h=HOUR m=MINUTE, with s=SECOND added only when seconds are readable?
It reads h=7 m=50
